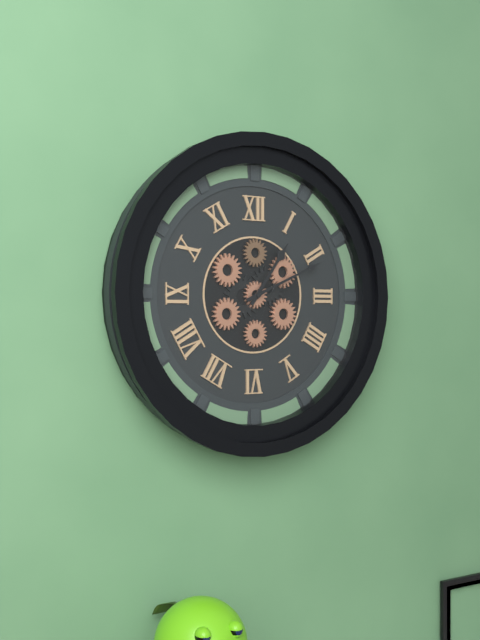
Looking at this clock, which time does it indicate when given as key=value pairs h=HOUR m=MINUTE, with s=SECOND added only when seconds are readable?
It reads h=1 m=11
